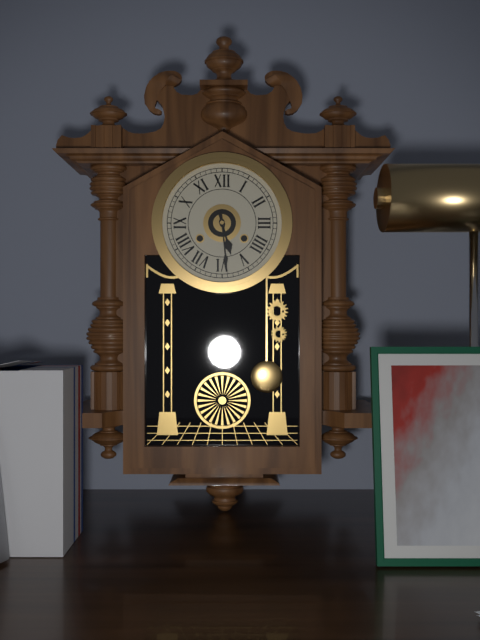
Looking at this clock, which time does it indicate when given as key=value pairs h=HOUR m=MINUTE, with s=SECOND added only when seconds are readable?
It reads h=5 m=29
